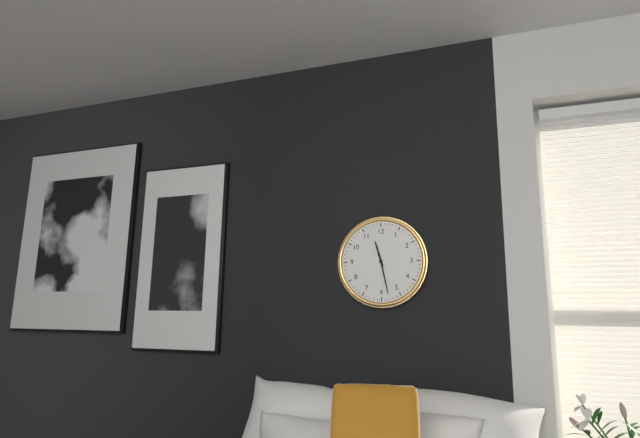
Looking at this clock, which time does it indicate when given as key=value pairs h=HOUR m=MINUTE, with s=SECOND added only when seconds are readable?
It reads h=11 m=28
